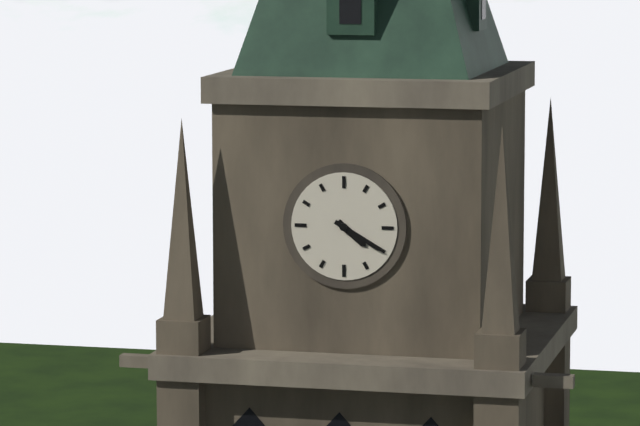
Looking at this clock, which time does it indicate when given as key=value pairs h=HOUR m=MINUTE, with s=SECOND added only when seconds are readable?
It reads h=4 m=20
